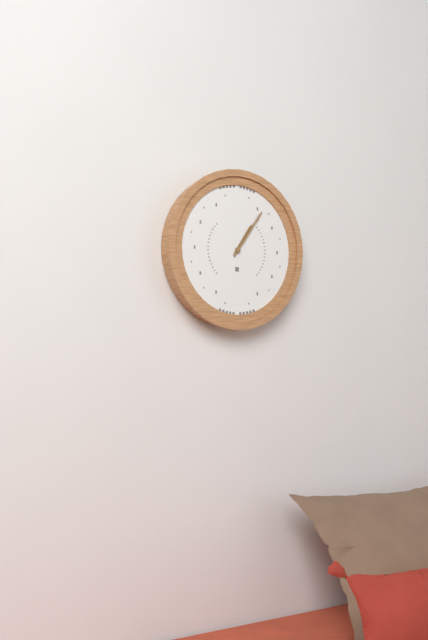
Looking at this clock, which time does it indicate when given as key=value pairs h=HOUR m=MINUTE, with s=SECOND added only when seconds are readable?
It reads h=1 m=6
